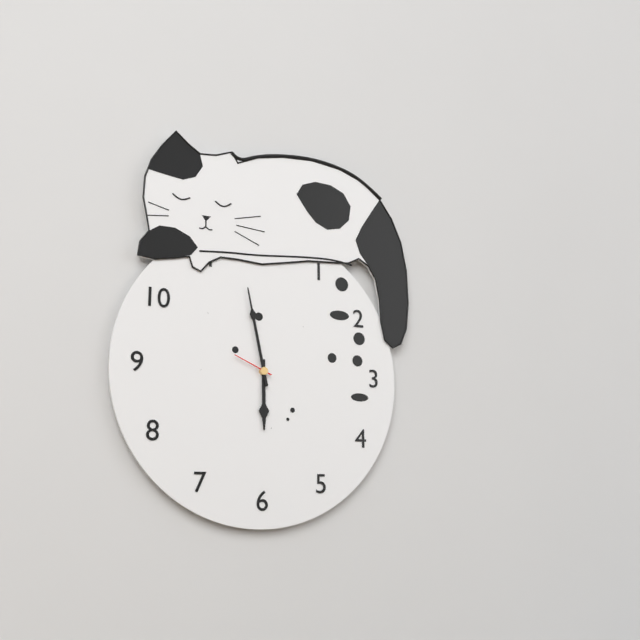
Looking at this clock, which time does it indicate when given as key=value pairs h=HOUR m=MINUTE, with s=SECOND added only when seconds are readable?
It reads h=5 m=58
